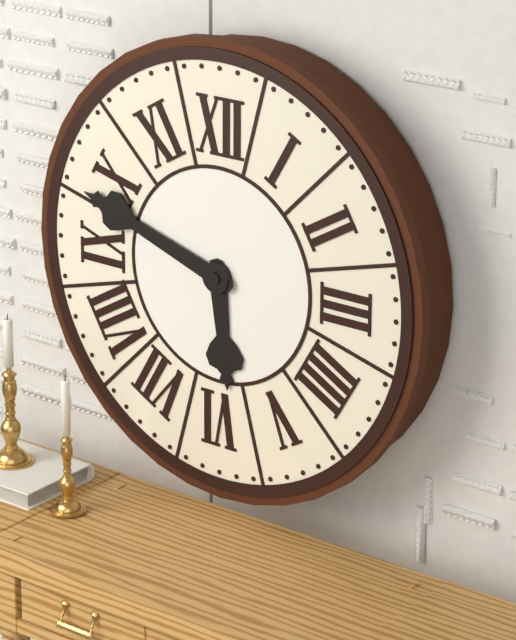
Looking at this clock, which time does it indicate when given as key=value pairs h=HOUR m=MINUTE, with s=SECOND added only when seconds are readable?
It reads h=5 m=48
